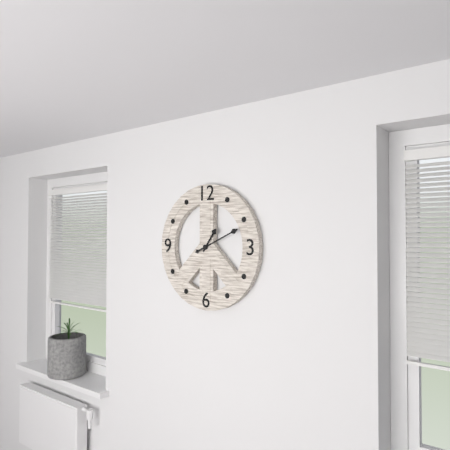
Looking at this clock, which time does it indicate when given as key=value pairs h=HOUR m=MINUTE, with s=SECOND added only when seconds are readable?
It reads h=1 m=11
